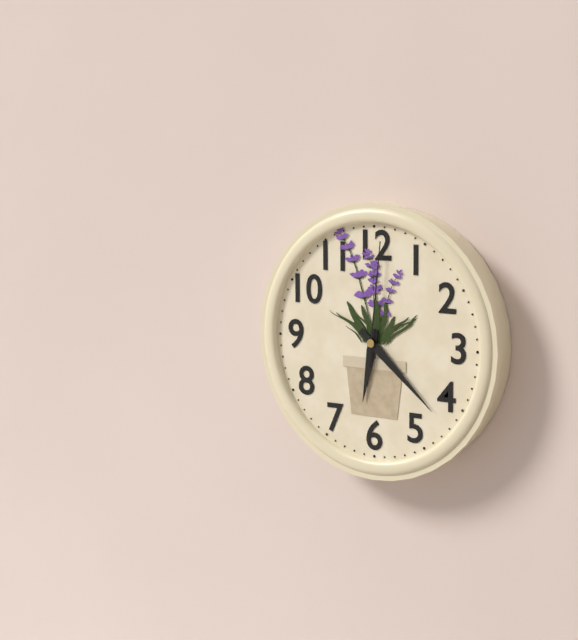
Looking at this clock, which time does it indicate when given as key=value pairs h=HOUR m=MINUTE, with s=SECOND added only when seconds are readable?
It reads h=6 m=22 s=1
